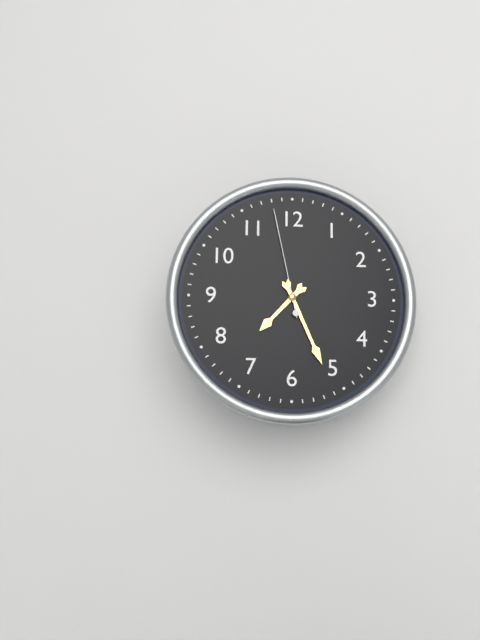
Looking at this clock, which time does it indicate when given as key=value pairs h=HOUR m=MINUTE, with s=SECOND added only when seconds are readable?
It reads h=7 m=26 s=58
